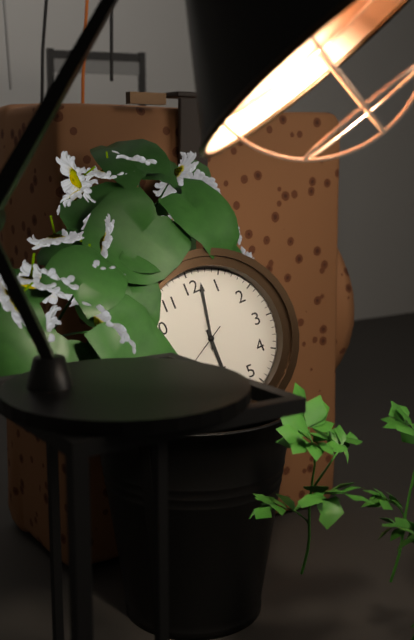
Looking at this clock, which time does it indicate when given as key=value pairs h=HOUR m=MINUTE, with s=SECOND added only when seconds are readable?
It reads h=6 m=2
